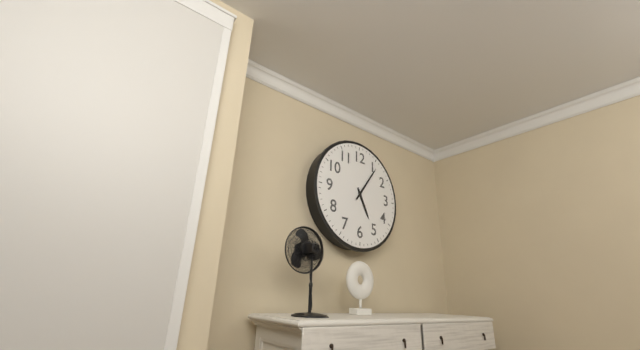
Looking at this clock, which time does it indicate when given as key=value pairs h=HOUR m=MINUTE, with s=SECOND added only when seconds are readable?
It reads h=5 m=6
